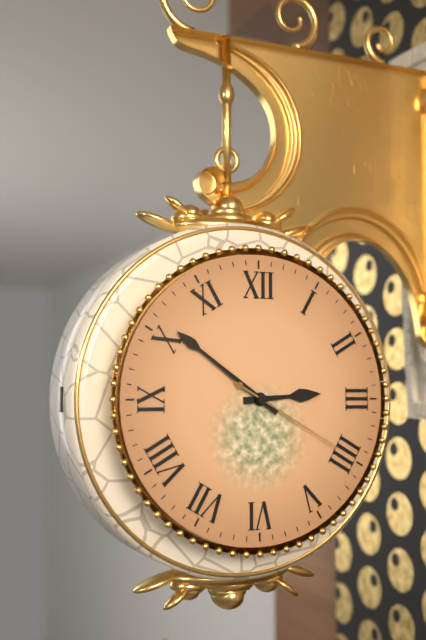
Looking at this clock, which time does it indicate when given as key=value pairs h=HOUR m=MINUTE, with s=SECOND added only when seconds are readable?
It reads h=2 m=51 s=20
